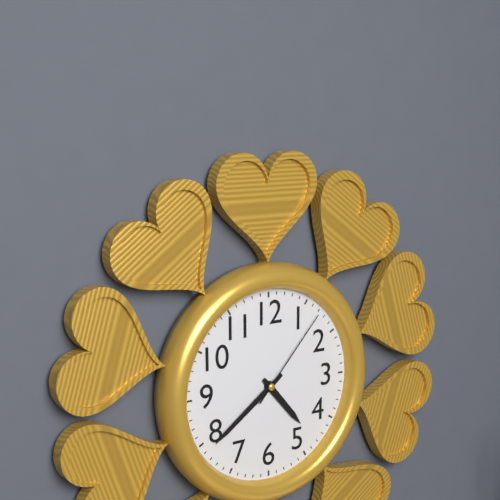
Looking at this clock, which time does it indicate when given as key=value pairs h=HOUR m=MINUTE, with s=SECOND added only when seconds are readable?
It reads h=4 m=39 s=7
